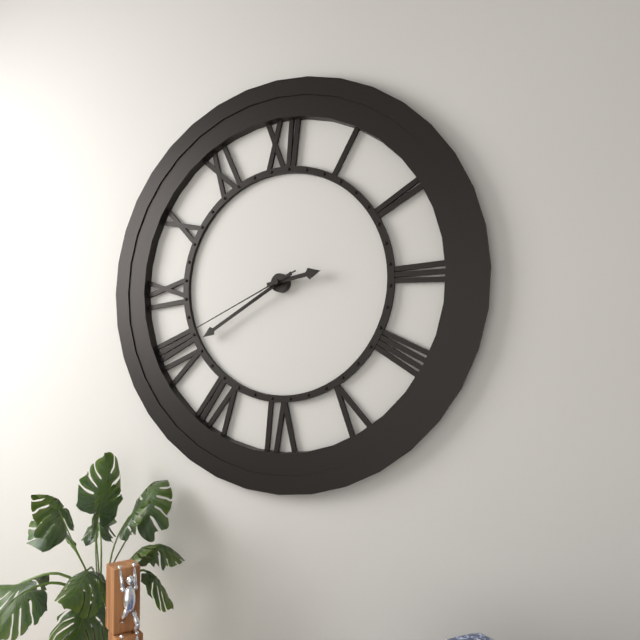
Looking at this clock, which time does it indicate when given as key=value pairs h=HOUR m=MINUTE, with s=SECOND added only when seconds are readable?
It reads h=2 m=40 s=41
